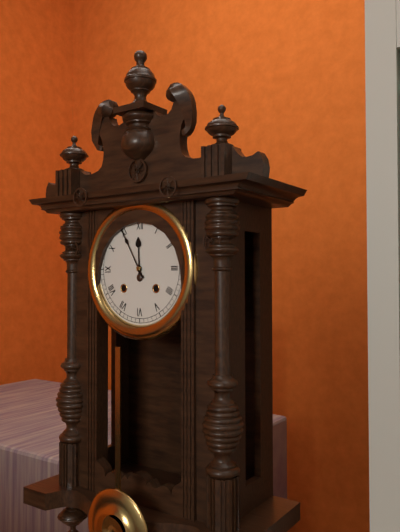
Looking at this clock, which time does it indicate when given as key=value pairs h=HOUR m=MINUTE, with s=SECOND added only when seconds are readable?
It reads h=11 m=55
